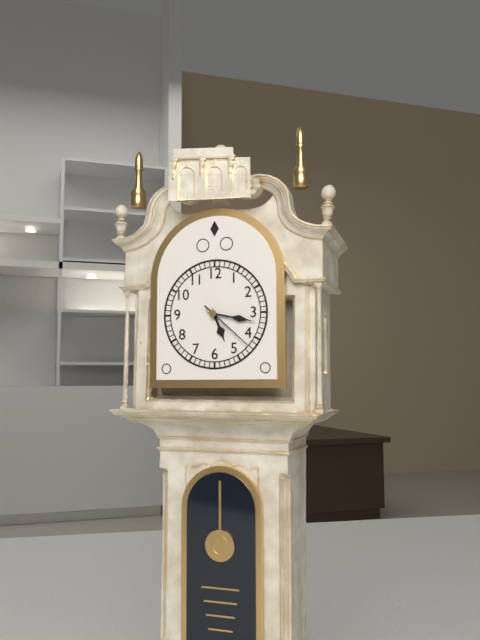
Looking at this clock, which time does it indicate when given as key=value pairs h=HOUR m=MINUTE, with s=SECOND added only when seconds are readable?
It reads h=5 m=17 s=22
